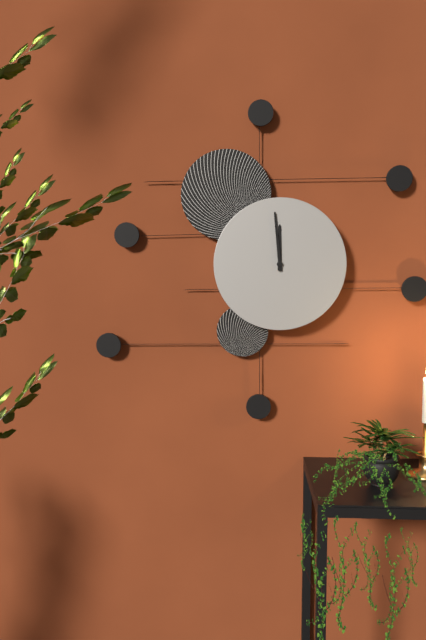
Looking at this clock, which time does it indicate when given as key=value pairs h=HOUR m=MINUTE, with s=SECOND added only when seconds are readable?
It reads h=11 m=59
